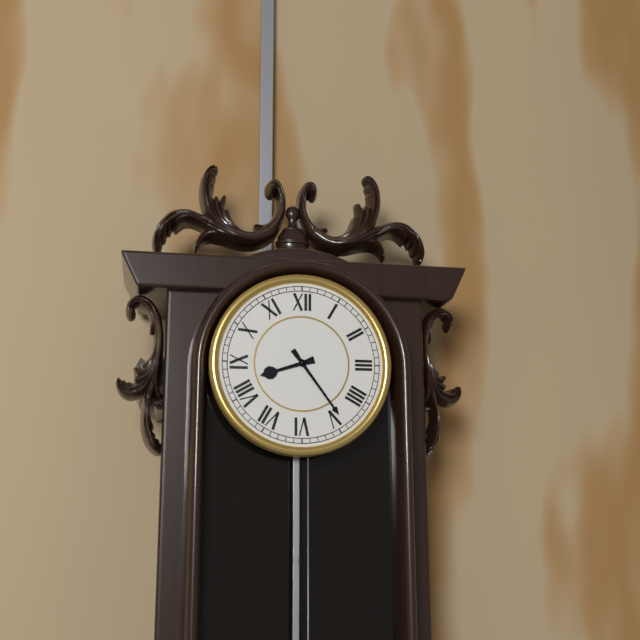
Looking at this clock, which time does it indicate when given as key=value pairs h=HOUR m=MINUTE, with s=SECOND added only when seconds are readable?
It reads h=8 m=24
